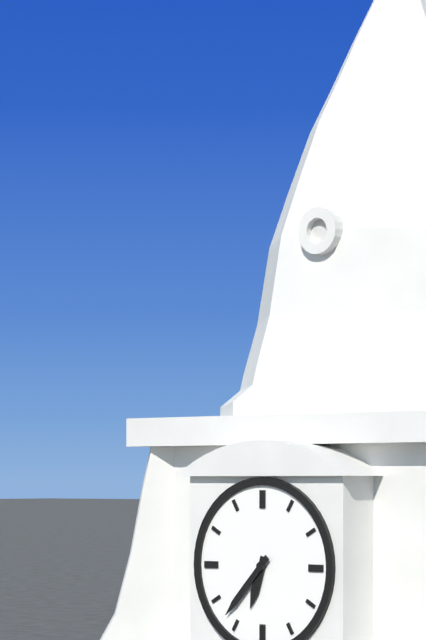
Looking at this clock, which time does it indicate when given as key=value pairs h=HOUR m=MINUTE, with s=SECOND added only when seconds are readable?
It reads h=6 m=37
